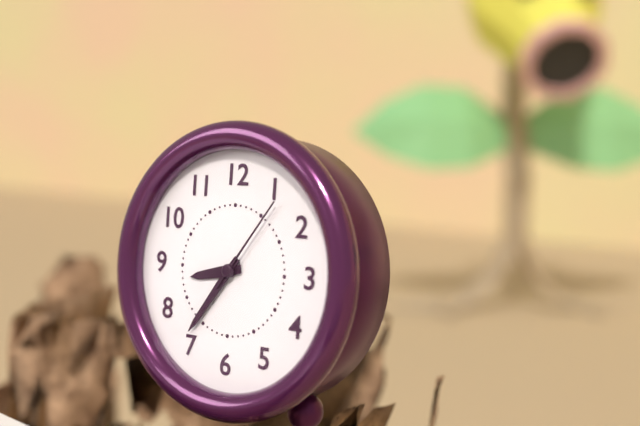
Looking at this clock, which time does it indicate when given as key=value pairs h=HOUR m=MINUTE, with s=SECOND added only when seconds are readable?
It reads h=8 m=36 s=6
